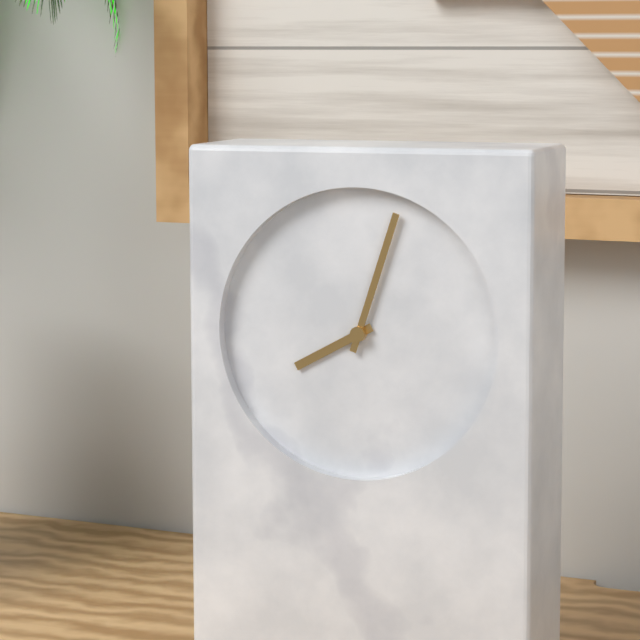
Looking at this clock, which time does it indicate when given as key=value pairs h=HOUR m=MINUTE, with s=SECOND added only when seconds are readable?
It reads h=8 m=3
